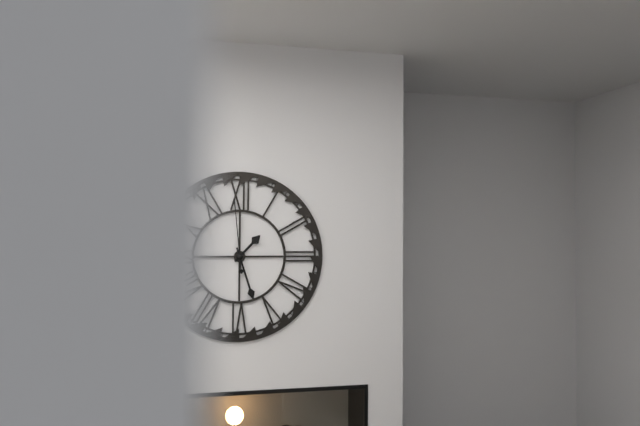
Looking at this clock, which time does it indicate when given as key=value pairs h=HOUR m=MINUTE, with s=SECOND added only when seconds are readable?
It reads h=1 m=27 s=59
